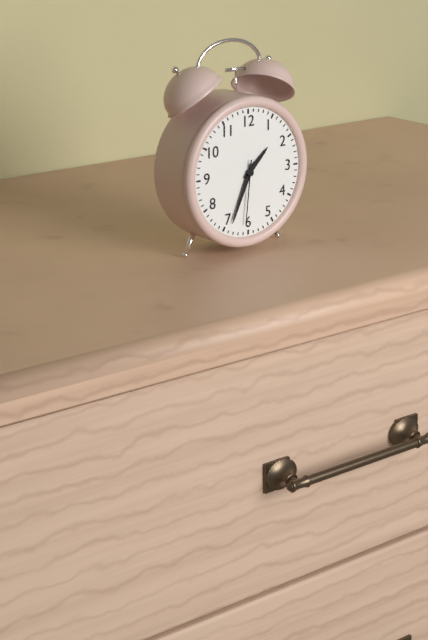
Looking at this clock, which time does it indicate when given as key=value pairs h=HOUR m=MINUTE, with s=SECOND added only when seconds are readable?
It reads h=1 m=34 s=31
